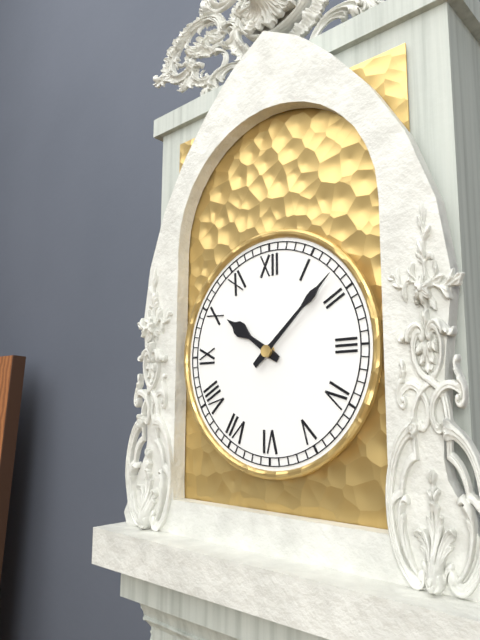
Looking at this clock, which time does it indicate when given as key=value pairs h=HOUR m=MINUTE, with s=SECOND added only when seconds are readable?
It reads h=10 m=8
